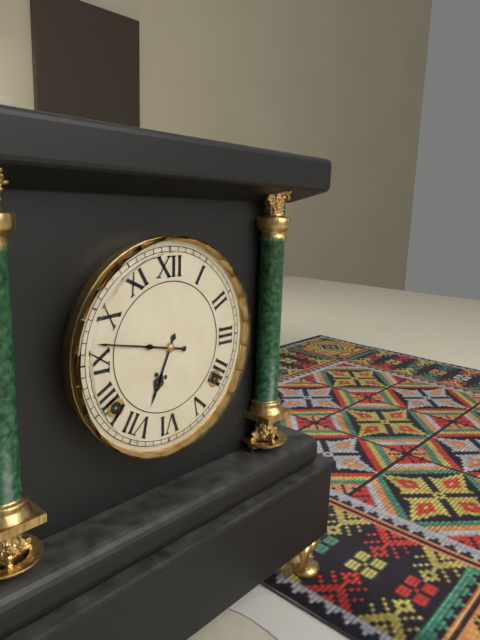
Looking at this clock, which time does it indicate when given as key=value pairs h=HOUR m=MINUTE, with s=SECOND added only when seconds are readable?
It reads h=6 m=47
